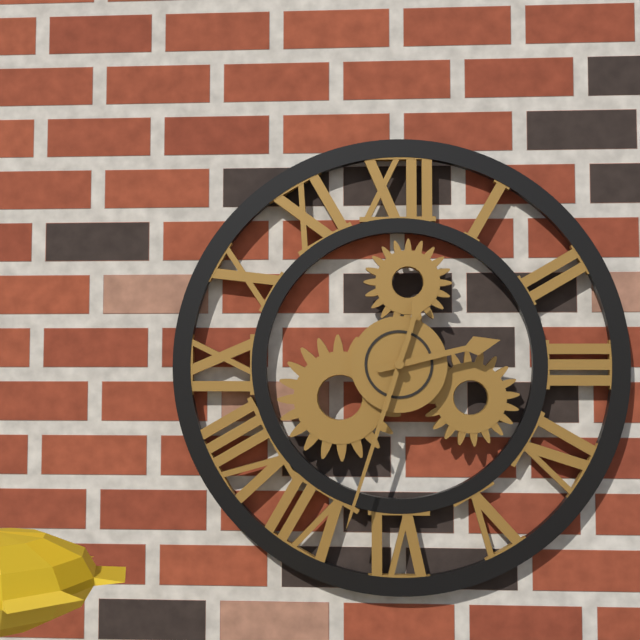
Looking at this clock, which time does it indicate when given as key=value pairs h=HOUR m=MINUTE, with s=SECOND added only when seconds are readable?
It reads h=2 m=33
